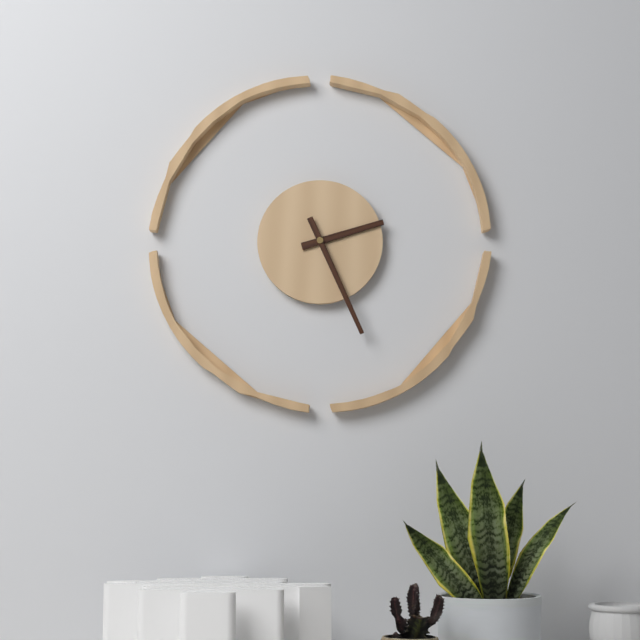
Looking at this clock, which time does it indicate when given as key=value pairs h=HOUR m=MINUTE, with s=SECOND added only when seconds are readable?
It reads h=2 m=26
